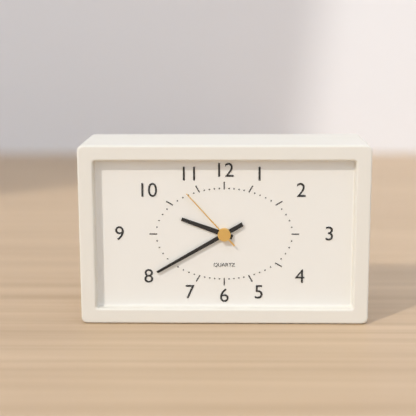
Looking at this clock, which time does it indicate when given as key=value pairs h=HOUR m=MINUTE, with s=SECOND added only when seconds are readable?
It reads h=9 m=40 s=53
